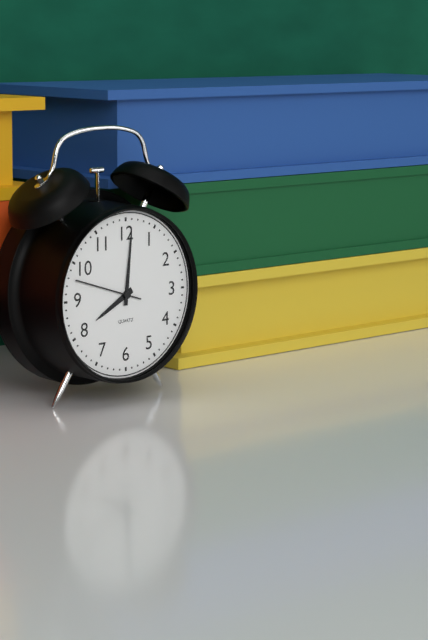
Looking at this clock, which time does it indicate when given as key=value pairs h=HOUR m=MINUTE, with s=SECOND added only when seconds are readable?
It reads h=8 m=1 s=48
